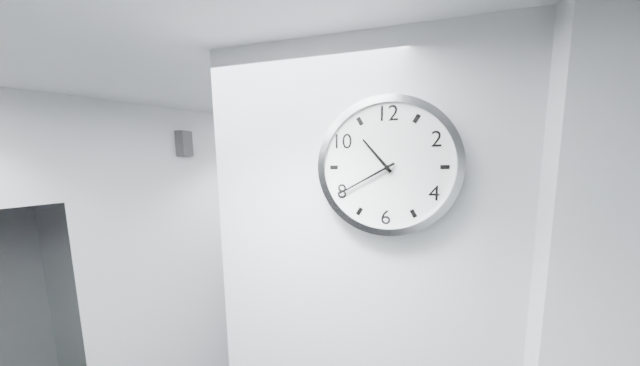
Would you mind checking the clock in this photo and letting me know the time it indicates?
10:40
